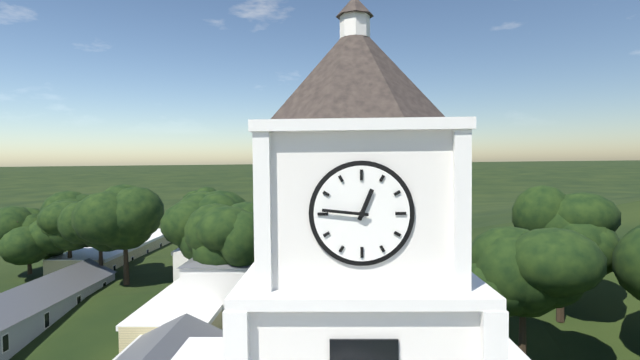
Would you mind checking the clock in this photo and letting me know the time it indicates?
12:46
